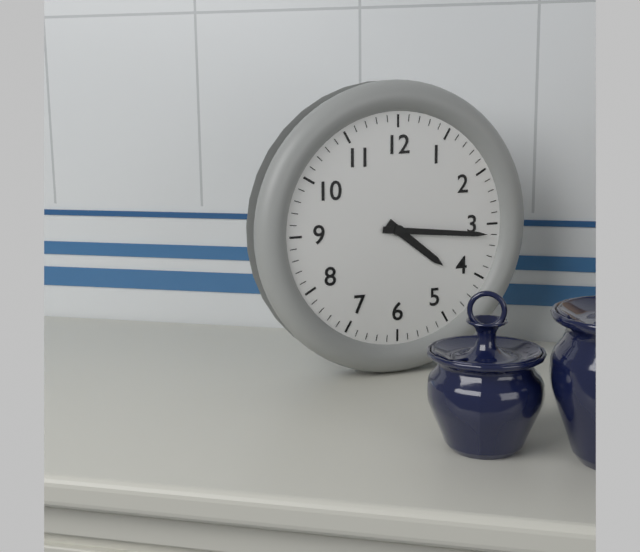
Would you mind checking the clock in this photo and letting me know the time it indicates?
4:16
